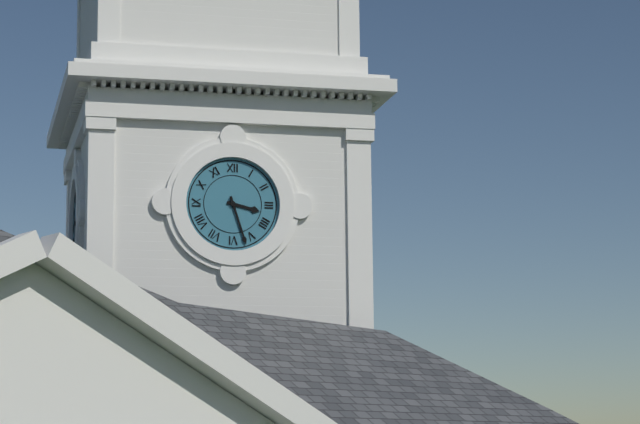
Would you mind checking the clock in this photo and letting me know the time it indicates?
3:27
